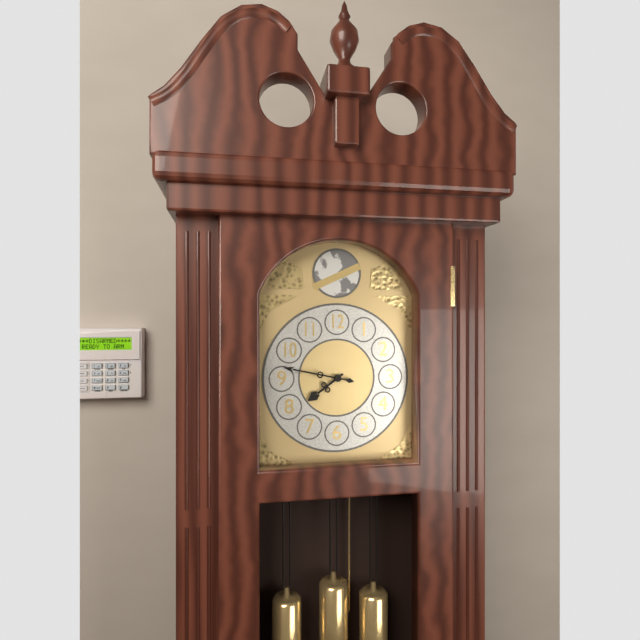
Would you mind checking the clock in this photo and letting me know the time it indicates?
7:47
